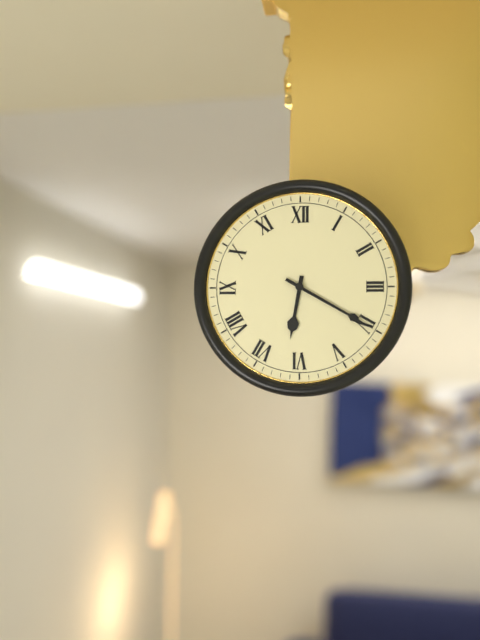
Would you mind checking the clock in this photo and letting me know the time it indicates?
6:20
